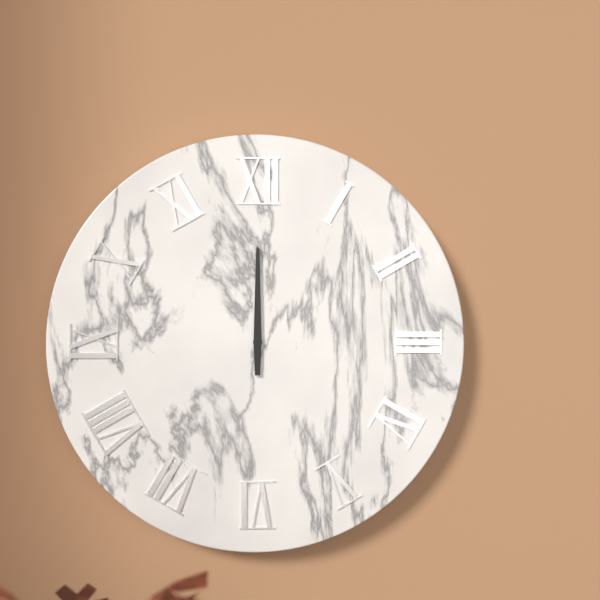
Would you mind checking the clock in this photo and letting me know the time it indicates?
12:00
